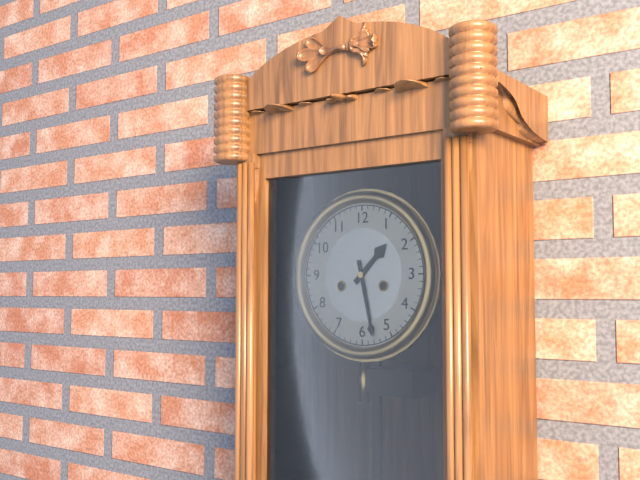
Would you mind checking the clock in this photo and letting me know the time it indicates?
1:28
